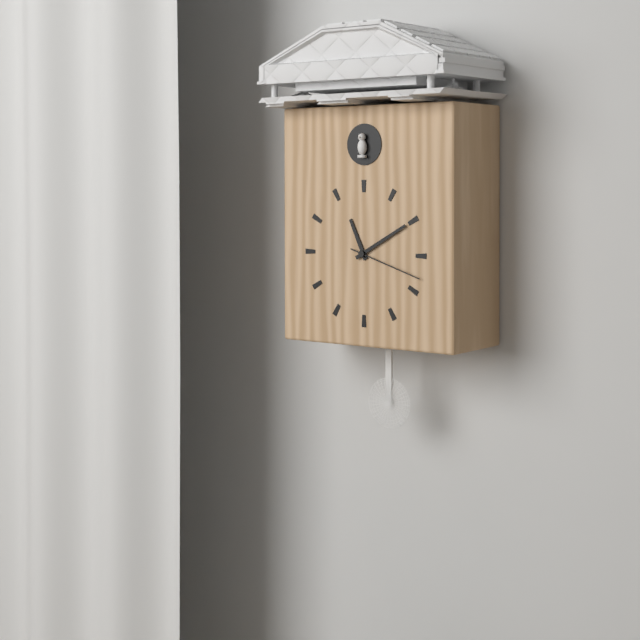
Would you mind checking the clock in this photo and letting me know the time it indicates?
11:10:18
